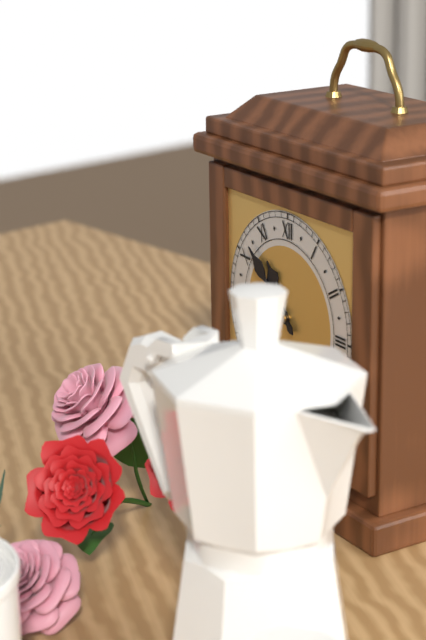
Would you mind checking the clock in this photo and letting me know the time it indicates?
10:52
